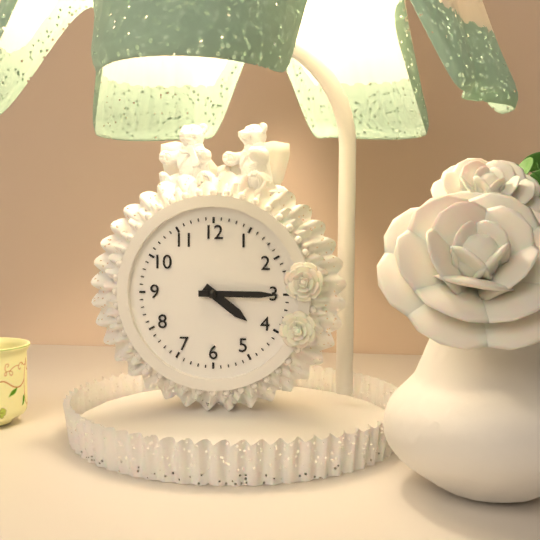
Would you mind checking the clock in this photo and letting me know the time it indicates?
4:15
